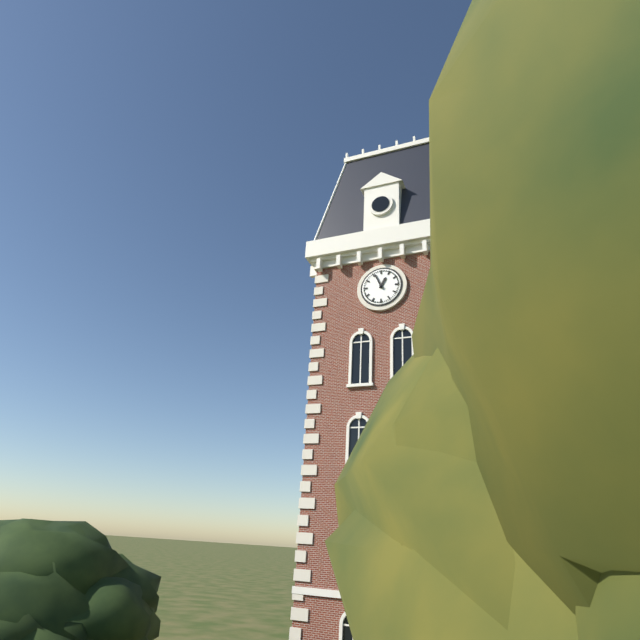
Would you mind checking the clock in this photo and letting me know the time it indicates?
12:56
